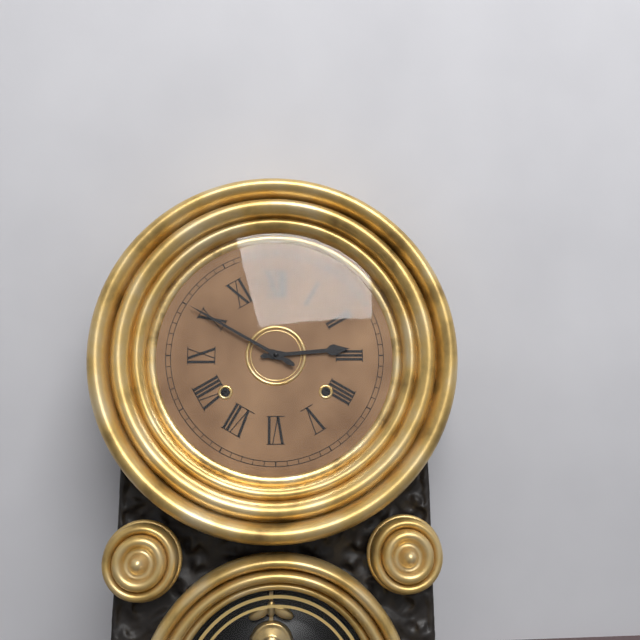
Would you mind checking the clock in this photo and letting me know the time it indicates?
2:50
